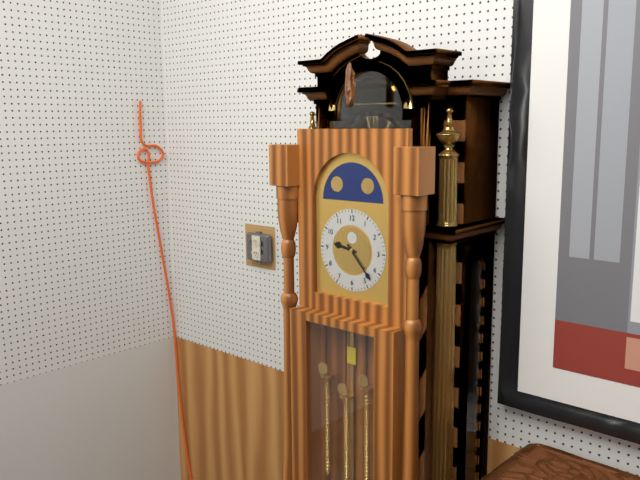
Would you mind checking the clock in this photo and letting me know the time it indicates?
9:23
